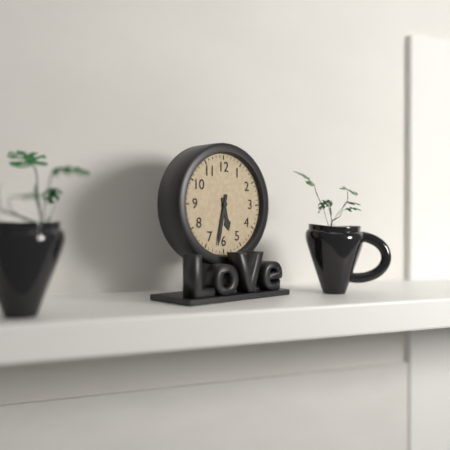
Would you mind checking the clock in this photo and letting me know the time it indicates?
5:32
